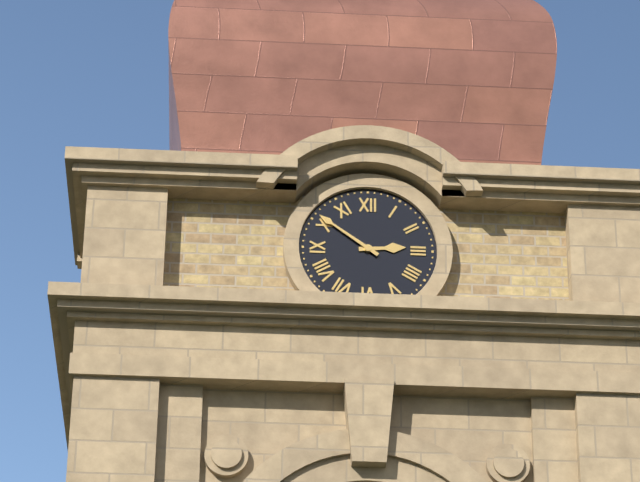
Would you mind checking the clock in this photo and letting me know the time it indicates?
2:51
